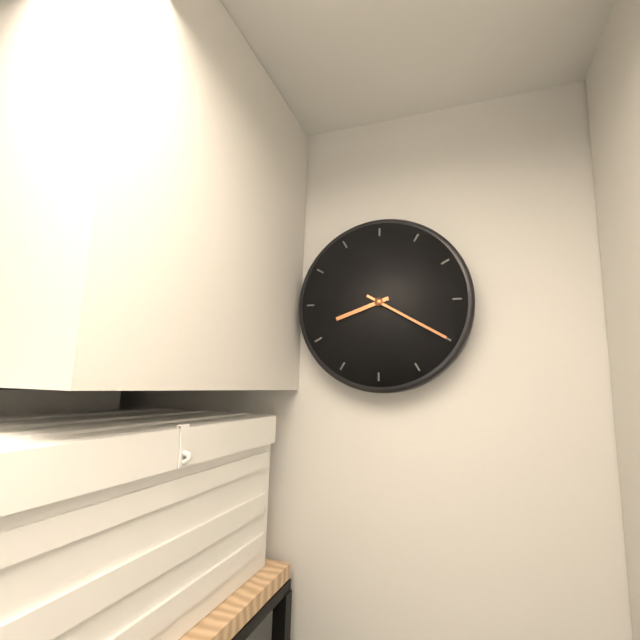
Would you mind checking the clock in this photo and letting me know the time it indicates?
8:20
